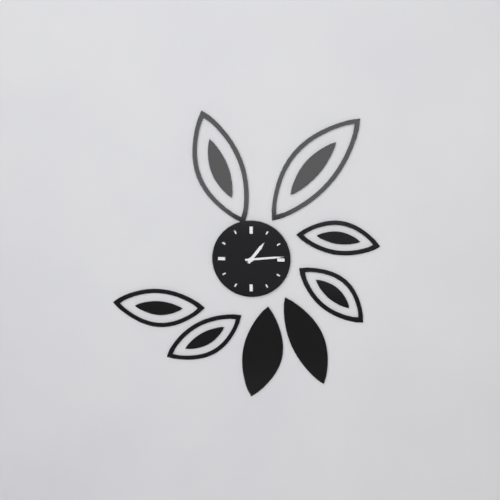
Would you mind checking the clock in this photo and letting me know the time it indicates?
1:14
